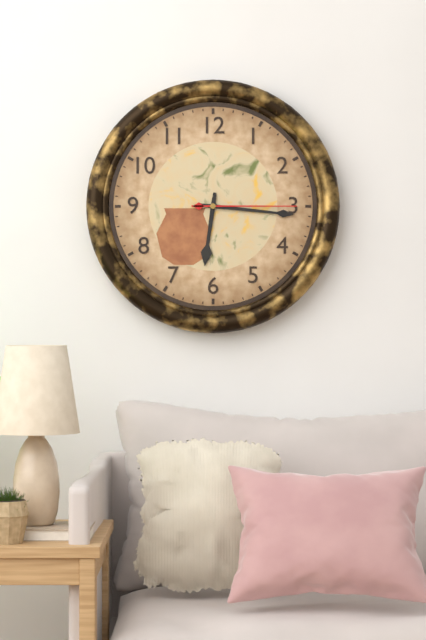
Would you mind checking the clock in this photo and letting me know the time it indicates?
6:16:15
